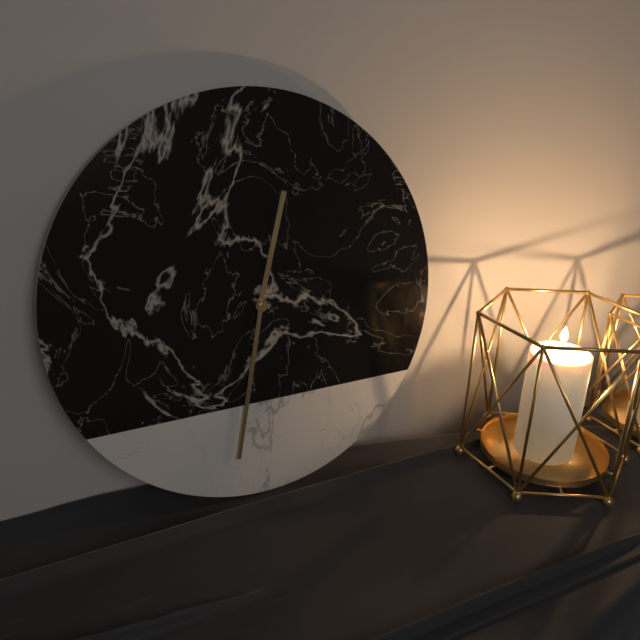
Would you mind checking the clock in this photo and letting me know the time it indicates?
12:32
